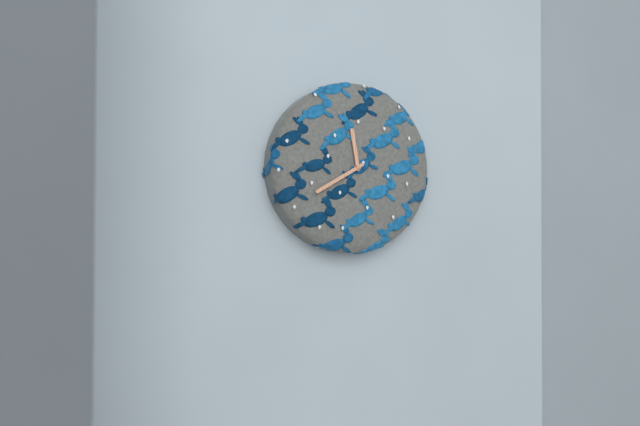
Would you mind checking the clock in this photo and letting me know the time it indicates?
11:40
